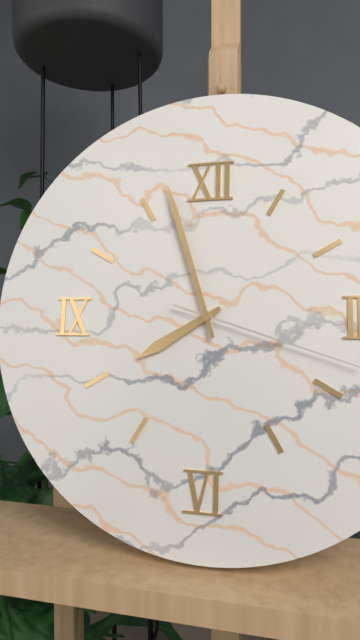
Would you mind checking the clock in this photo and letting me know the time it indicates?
7:57
